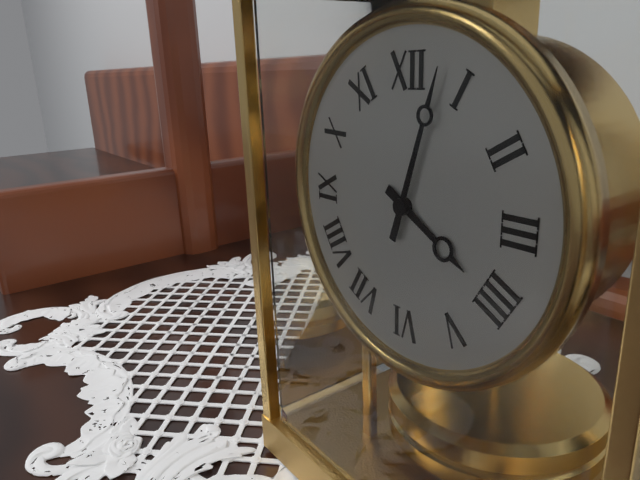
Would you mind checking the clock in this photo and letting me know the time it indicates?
4:03
